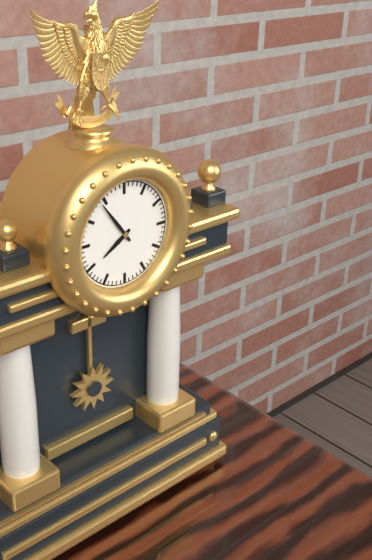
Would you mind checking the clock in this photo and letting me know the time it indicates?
7:54
